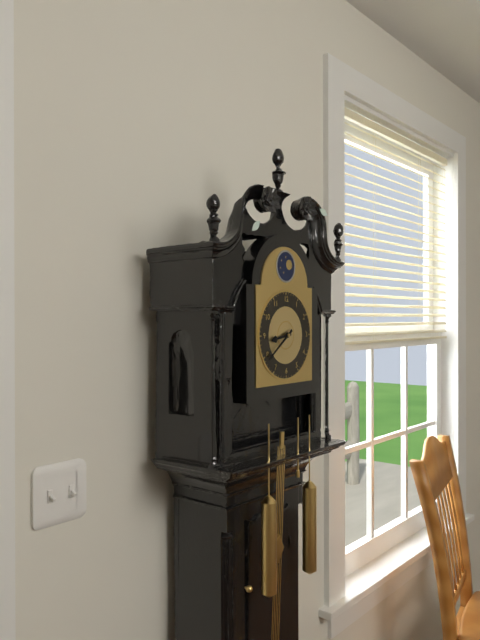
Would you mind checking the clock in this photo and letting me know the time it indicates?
8:39
